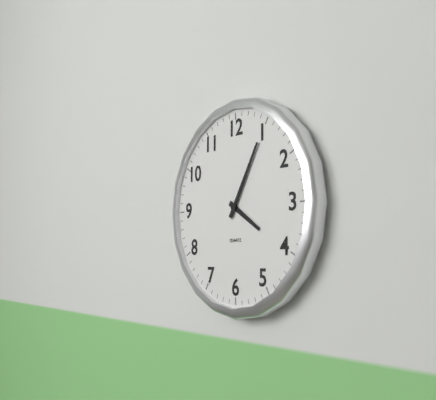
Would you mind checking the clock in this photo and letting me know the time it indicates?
4:05
